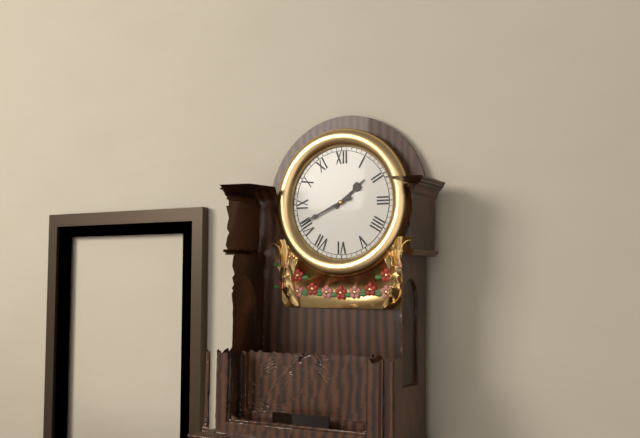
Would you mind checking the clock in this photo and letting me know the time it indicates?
1:41
